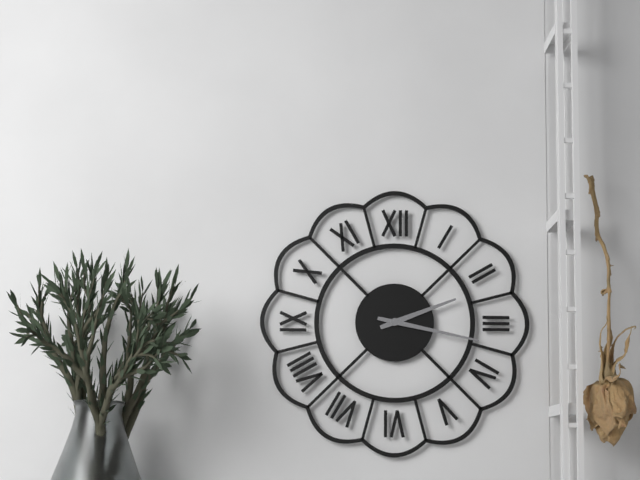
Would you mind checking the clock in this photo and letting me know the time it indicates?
2:17
